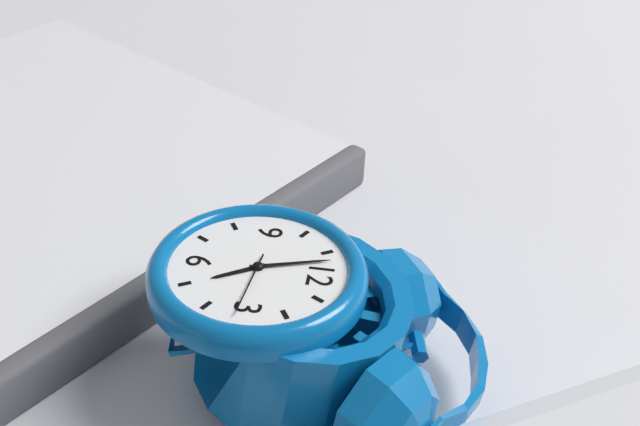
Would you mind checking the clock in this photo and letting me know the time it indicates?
4:57:16
